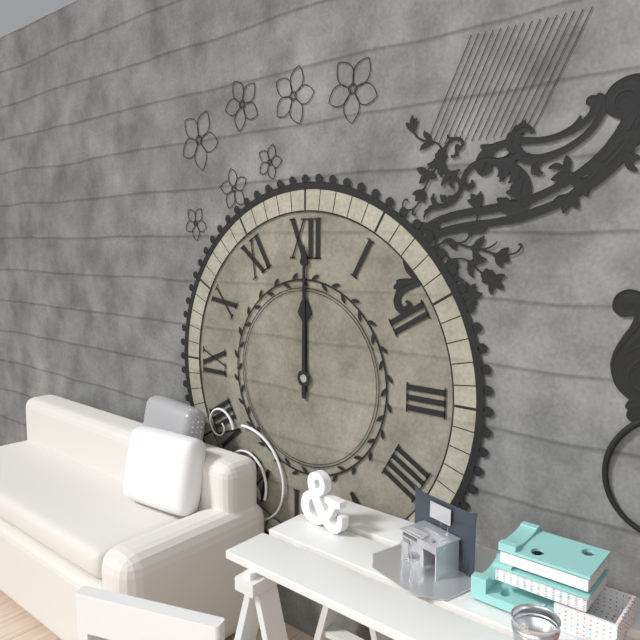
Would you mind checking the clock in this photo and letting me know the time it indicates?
12:00
